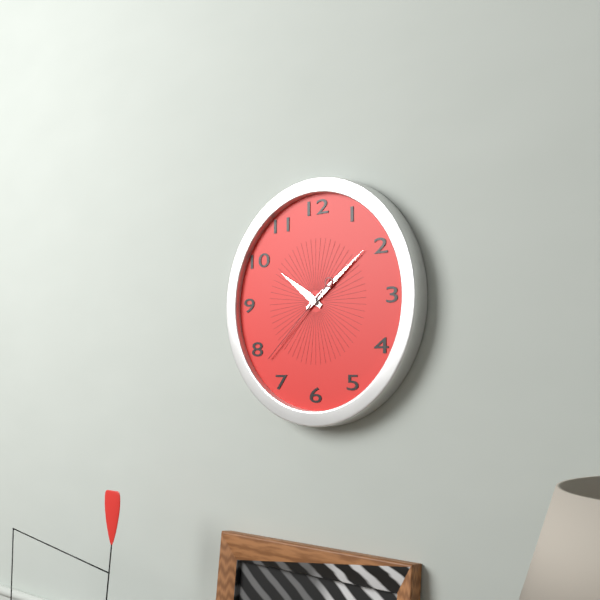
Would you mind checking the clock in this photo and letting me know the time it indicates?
10:09:38
